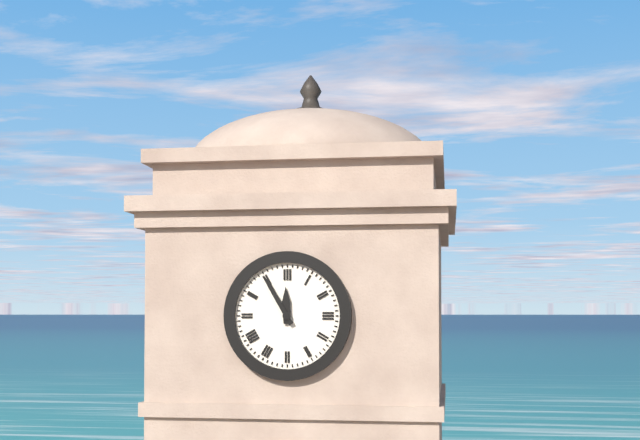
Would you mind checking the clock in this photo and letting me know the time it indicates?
11:55
